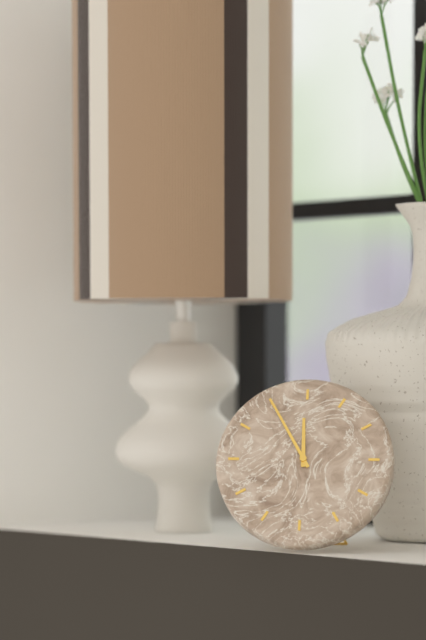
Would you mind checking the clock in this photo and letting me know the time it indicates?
11:55
